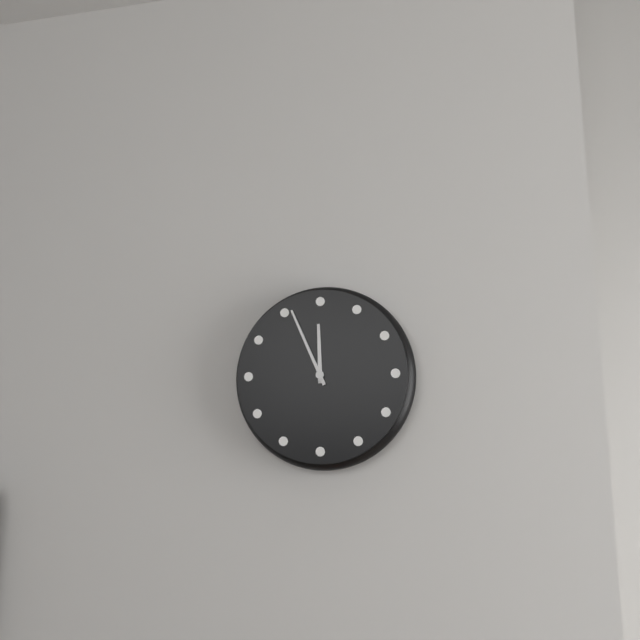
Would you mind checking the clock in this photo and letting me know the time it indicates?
11:56
